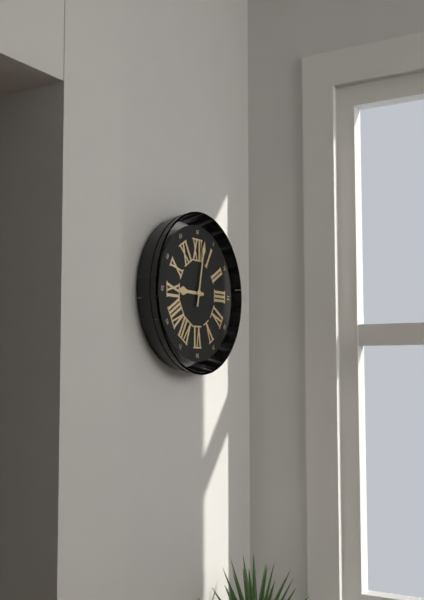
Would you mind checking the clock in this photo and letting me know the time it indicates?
9:02
